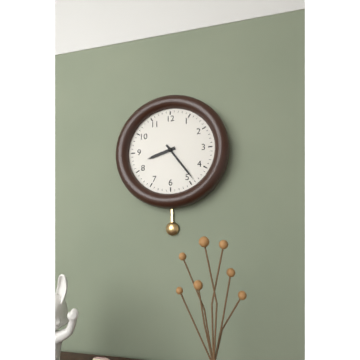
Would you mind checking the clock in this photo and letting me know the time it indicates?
8:24
